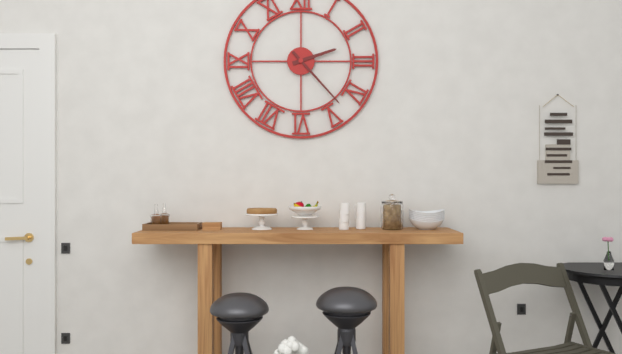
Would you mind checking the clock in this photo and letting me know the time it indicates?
2:23
